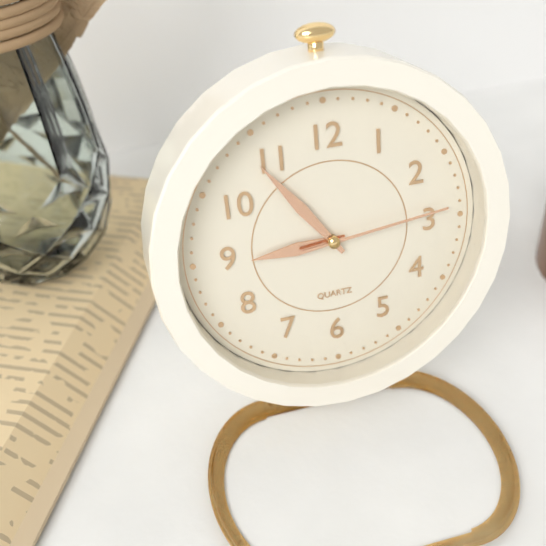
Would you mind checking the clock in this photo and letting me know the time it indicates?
8:54:14
